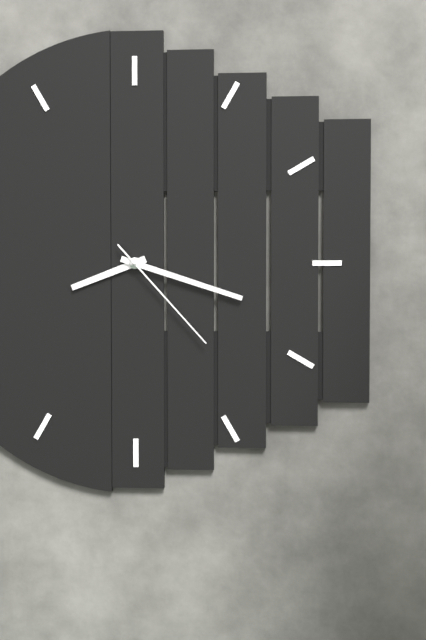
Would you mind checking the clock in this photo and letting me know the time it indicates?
8:18:23
